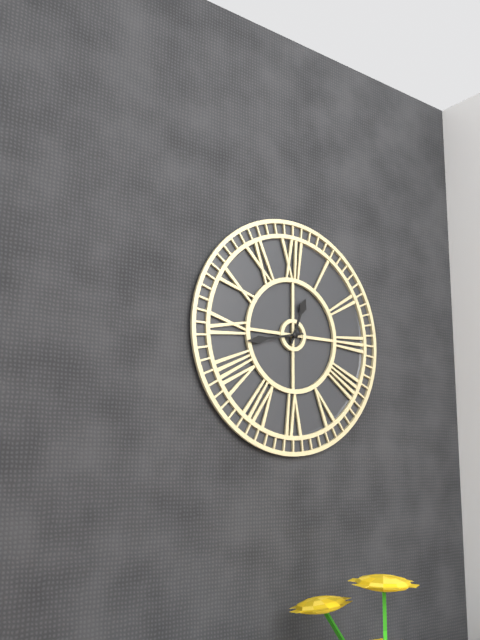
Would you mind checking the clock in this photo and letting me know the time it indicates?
12:43
